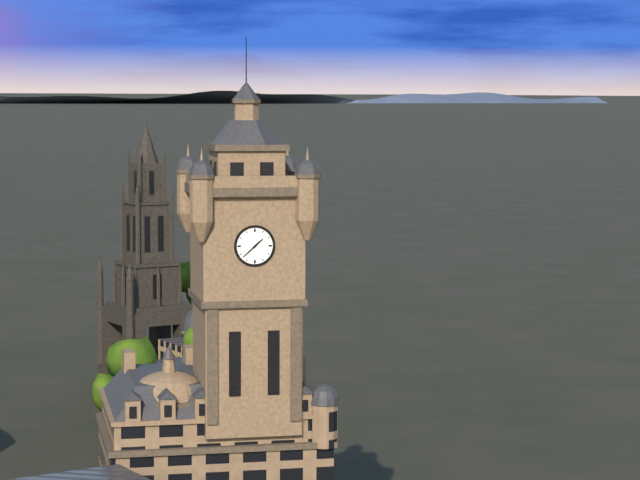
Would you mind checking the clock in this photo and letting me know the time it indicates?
1:38
